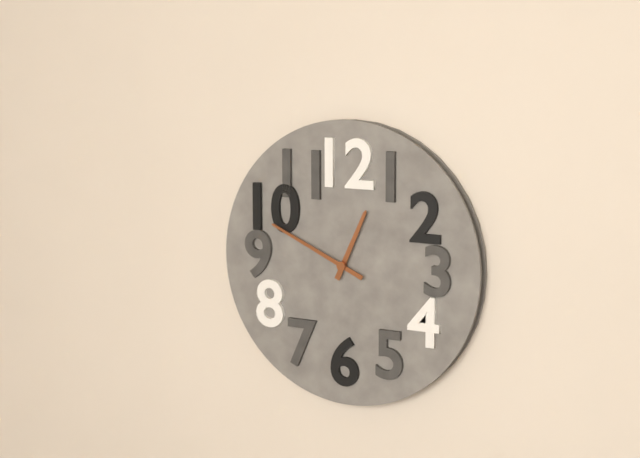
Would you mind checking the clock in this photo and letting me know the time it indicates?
12:49
